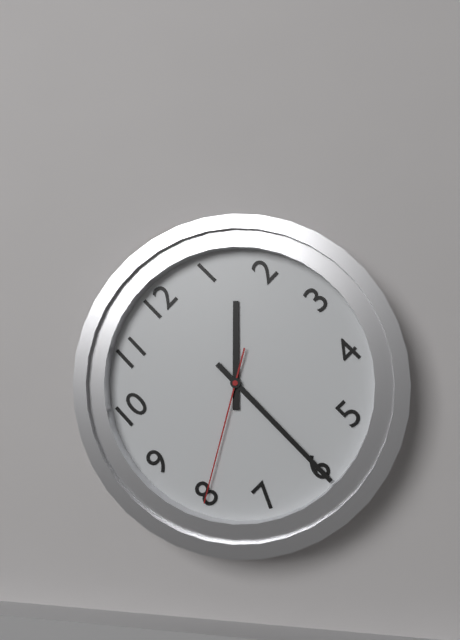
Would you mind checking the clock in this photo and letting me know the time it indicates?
1:30:40
